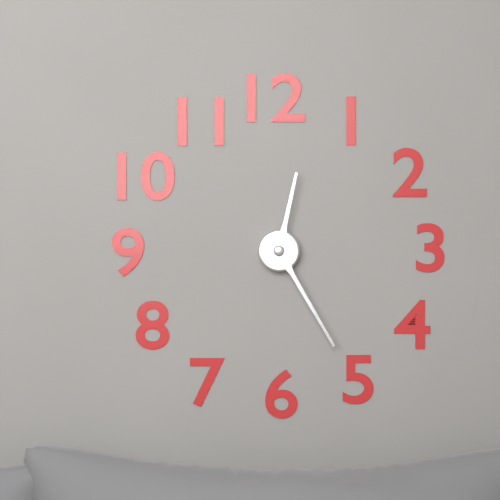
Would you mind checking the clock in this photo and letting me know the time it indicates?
12:25
